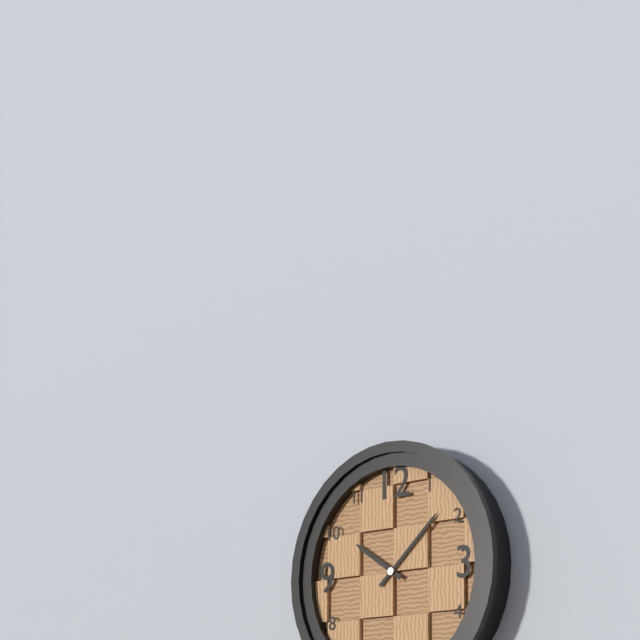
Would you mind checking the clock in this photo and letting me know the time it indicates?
10:08
